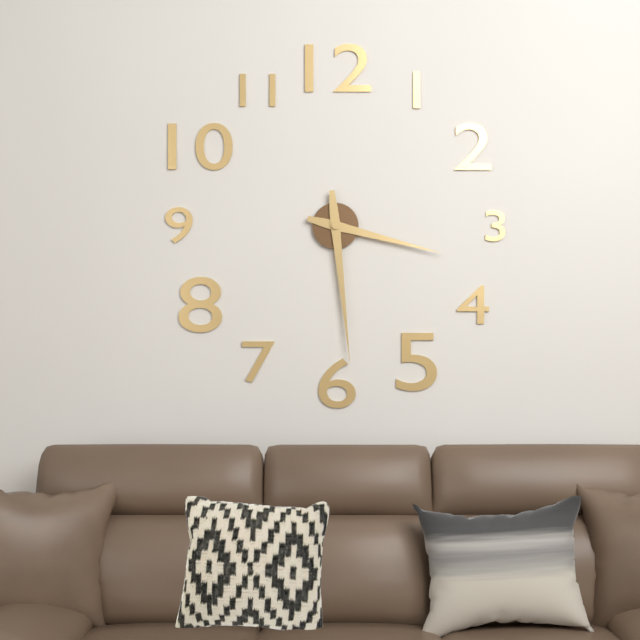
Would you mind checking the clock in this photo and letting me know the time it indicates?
3:29
